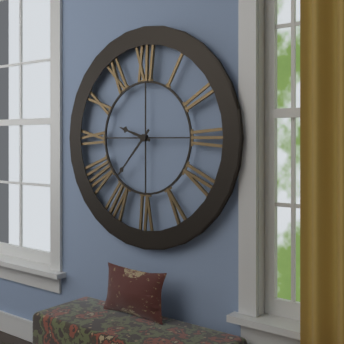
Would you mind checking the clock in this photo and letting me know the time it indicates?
9:37
